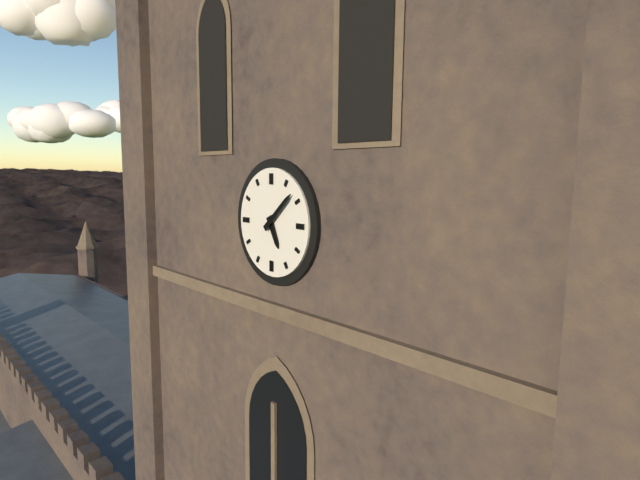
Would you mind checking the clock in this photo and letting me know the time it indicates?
5:08
